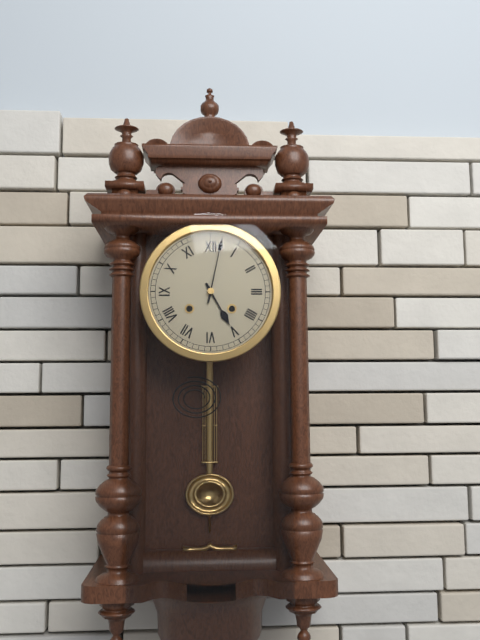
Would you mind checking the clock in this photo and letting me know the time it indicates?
5:02
